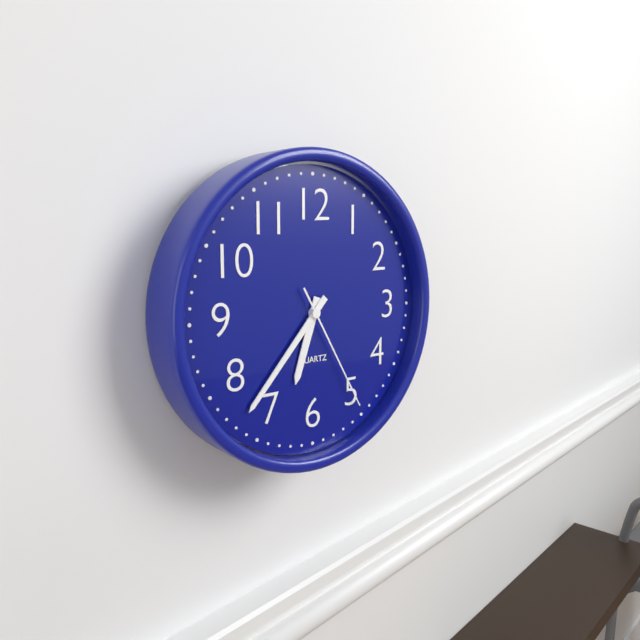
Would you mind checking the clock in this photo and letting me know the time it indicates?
6:37:25
